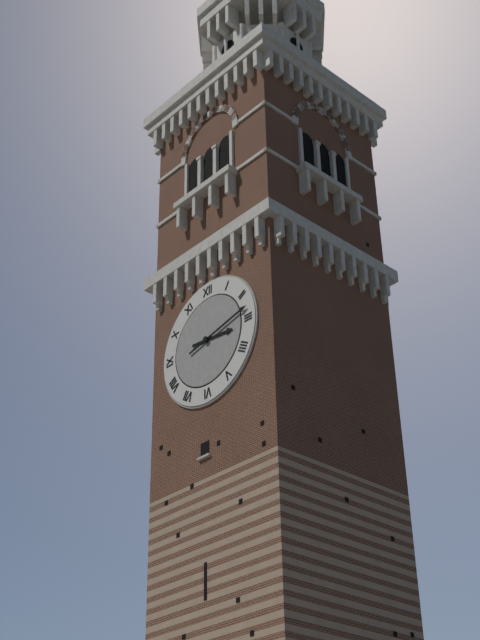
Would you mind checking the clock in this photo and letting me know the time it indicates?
3:13
